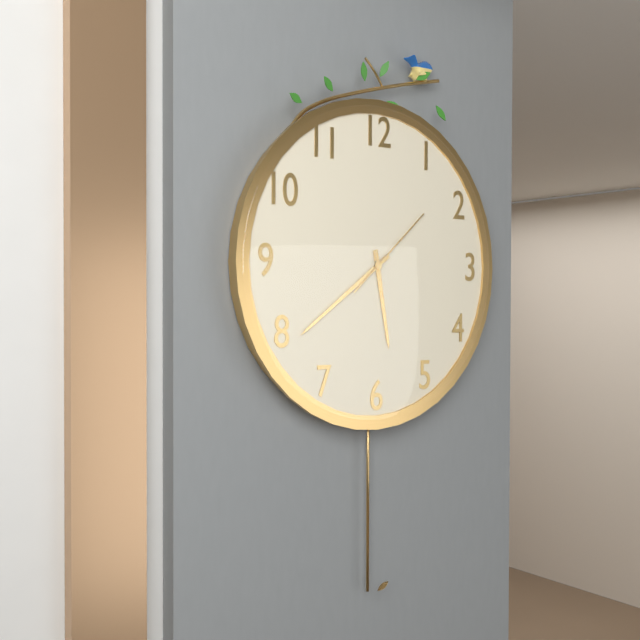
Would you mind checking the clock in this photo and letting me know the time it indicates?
5:39:08
